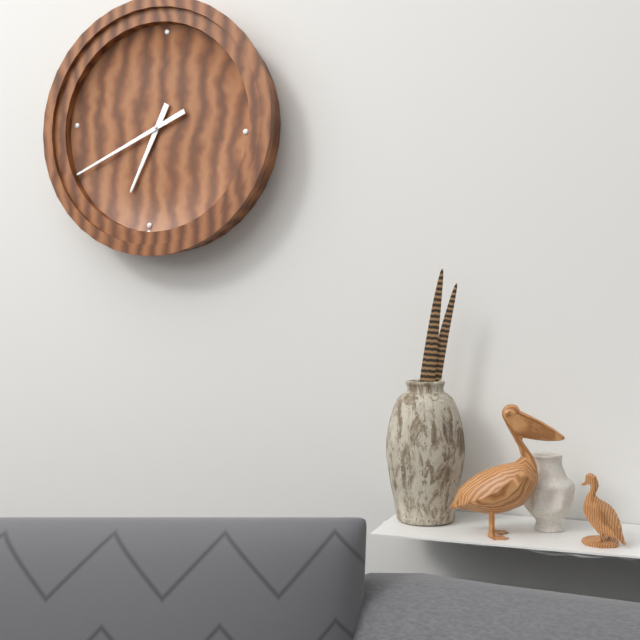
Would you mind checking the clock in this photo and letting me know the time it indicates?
6:40
